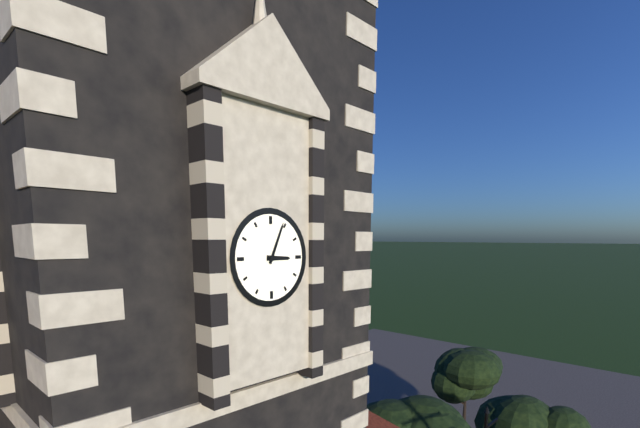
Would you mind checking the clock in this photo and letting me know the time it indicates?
3:04
